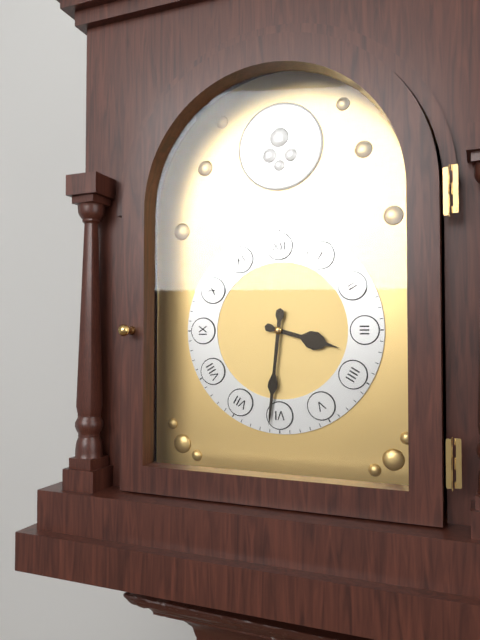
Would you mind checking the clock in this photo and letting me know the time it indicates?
3:31
